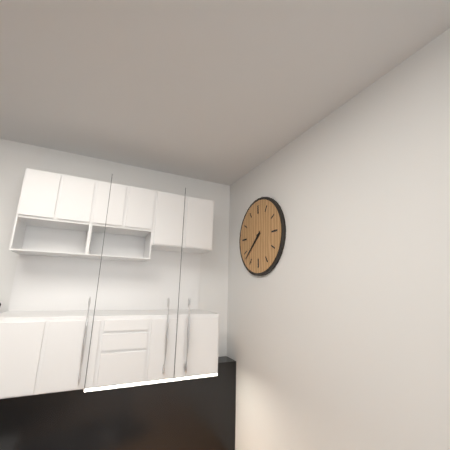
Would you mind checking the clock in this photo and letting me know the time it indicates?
7:38
